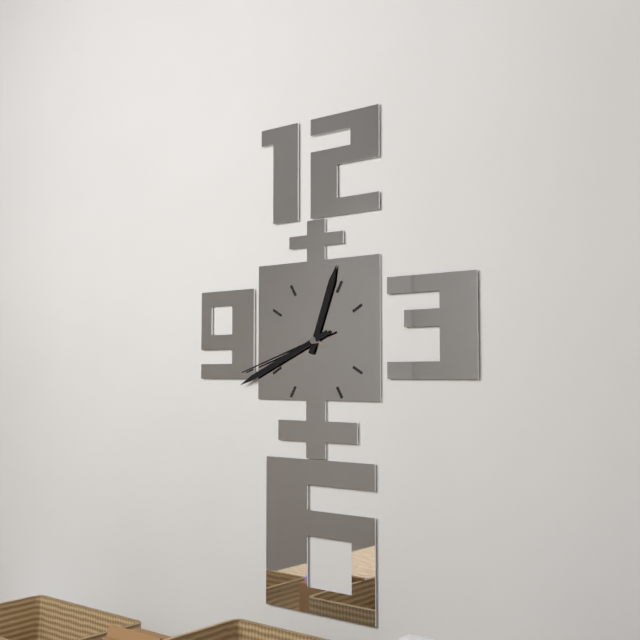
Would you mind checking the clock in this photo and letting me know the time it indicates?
12:41:42
